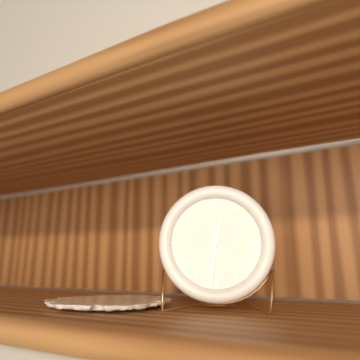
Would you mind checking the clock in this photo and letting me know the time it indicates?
12:31
